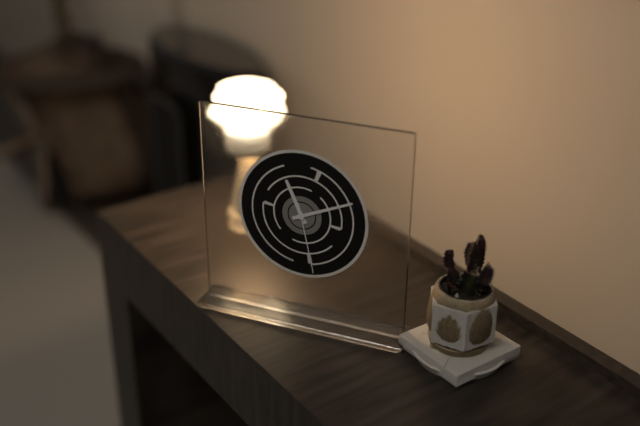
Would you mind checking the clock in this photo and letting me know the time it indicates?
11:11:28
